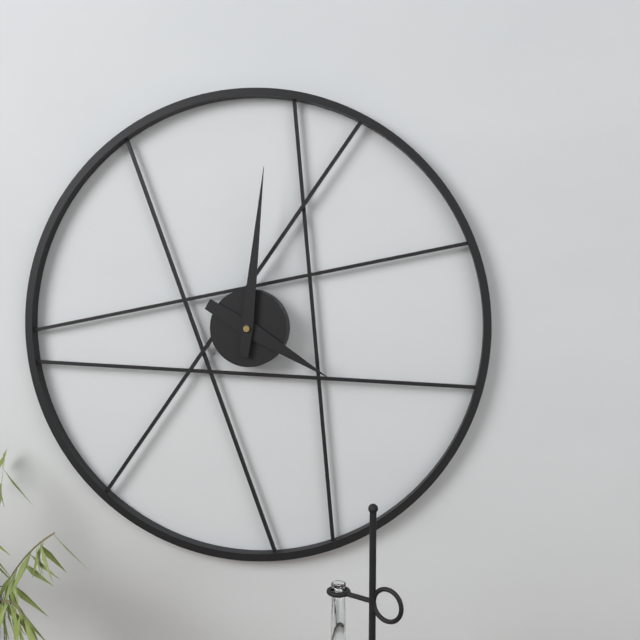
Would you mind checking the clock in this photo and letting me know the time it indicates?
4:01
